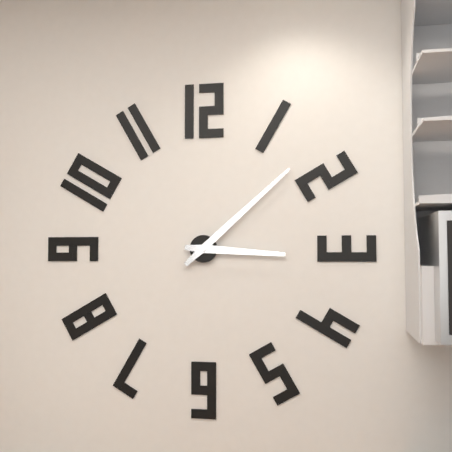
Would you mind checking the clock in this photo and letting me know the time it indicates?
3:08
